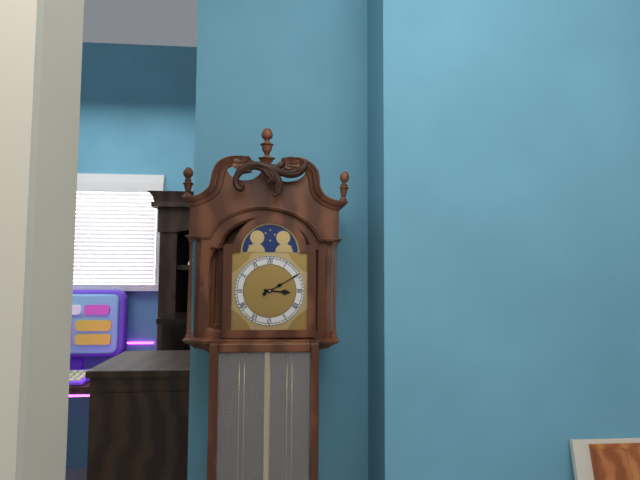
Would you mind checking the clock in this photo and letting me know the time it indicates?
3:10
